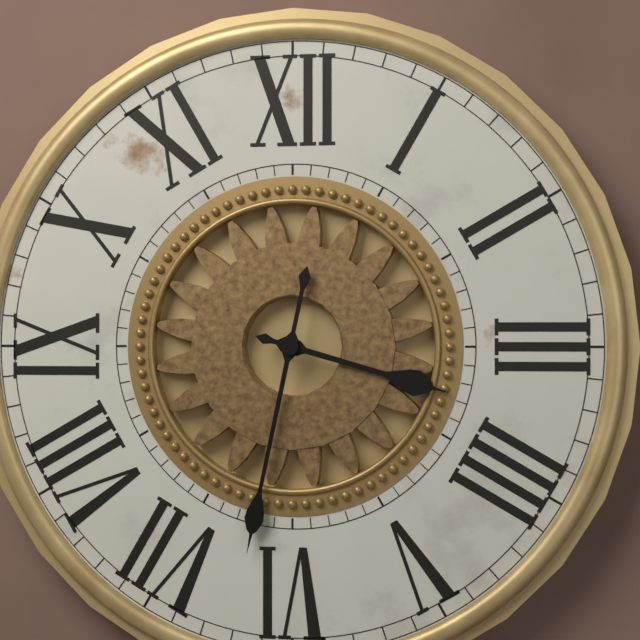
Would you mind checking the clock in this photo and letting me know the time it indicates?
3:32
